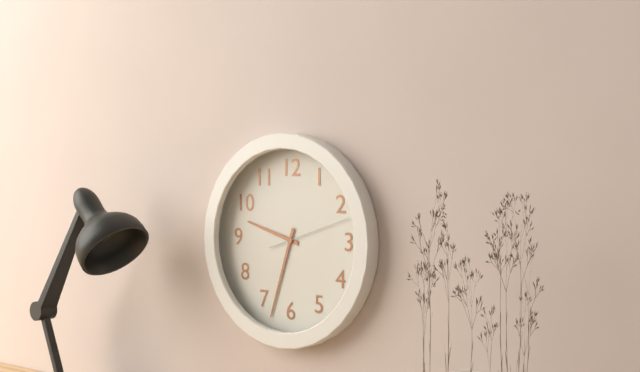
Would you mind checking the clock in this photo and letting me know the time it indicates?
9:33:12
